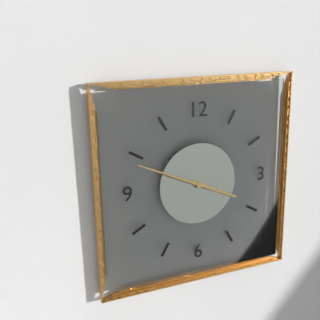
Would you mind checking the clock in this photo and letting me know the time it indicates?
3:49
